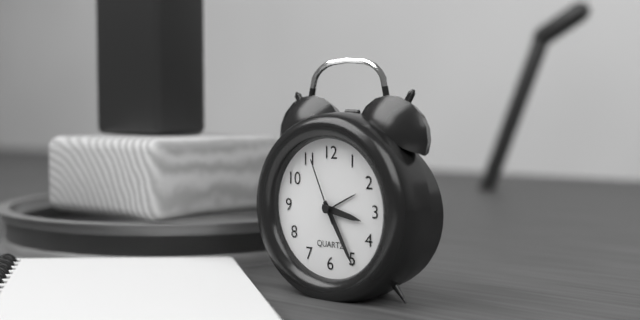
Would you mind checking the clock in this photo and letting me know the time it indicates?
3:25:56
